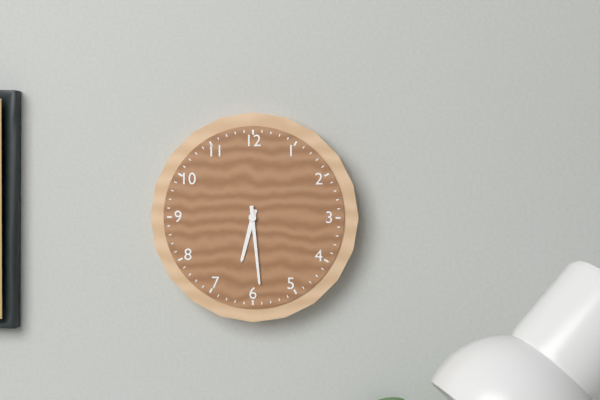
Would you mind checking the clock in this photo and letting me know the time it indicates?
6:29
